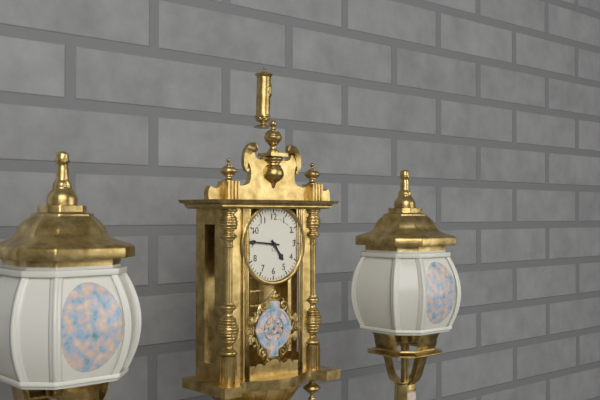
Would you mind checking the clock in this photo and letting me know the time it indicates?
4:46
